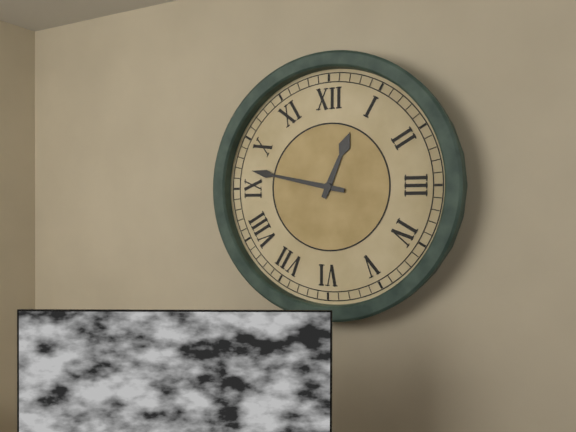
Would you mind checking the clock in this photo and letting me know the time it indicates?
12:47
